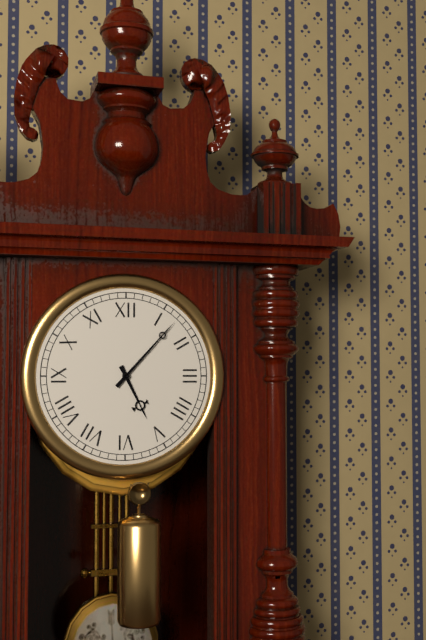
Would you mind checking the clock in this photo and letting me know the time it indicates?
5:07
